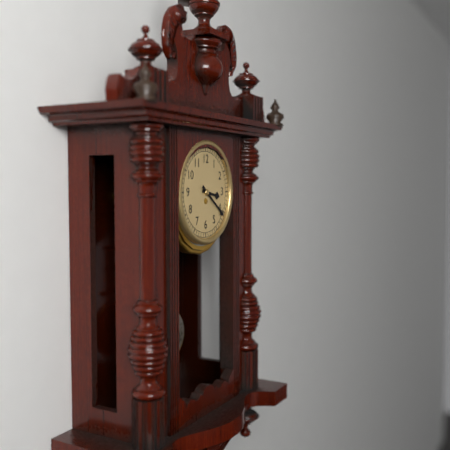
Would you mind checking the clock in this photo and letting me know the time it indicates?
3:21
